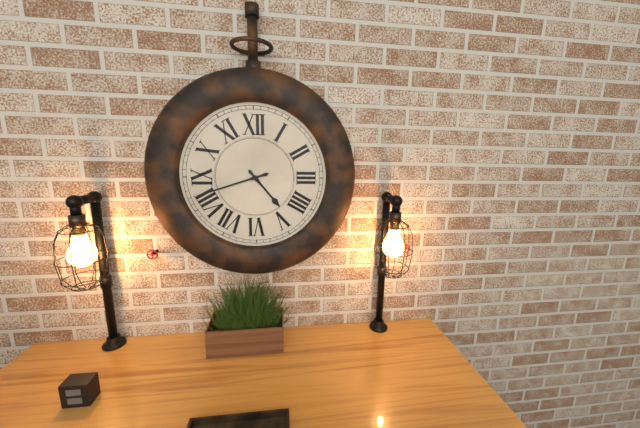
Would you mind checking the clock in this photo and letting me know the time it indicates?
4:42
